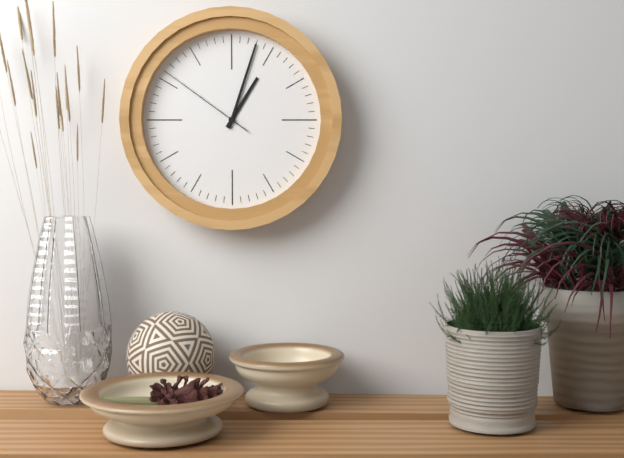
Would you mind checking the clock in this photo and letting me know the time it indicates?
1:03:51
